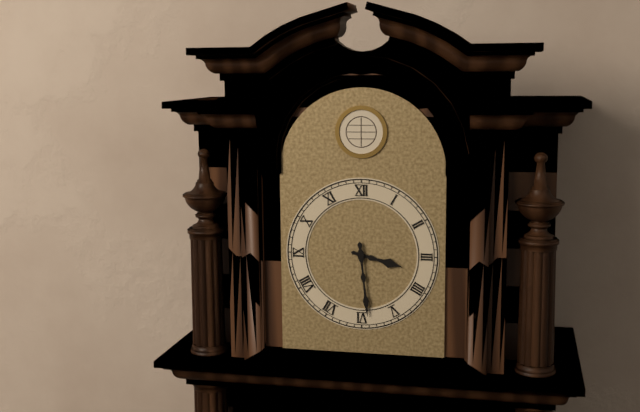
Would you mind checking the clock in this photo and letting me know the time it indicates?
3:29
